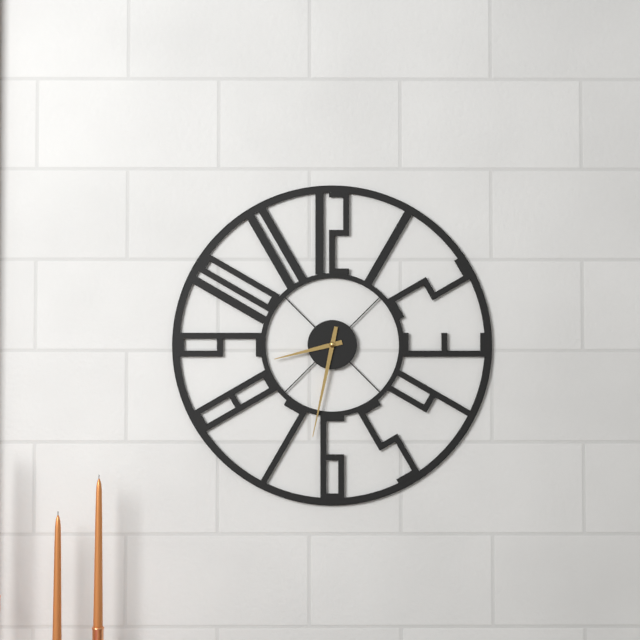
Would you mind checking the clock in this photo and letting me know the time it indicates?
8:32
